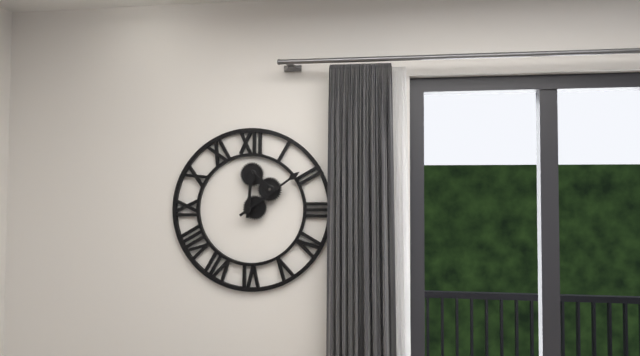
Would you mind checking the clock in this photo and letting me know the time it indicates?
12:09
